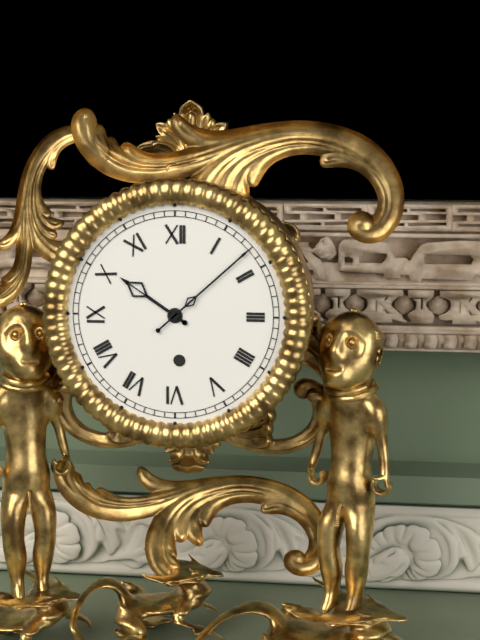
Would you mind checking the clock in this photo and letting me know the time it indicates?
10:08
